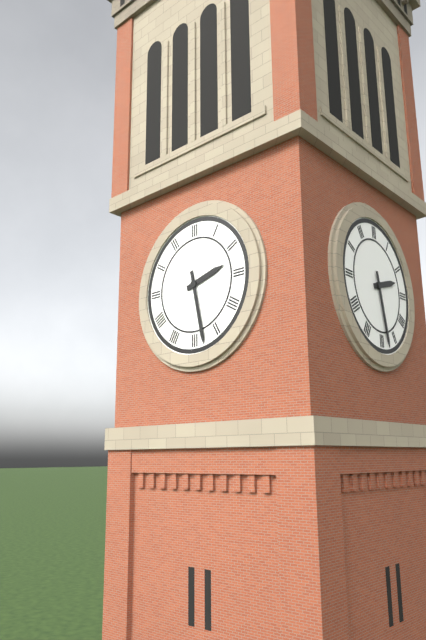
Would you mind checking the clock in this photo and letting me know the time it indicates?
2:28
